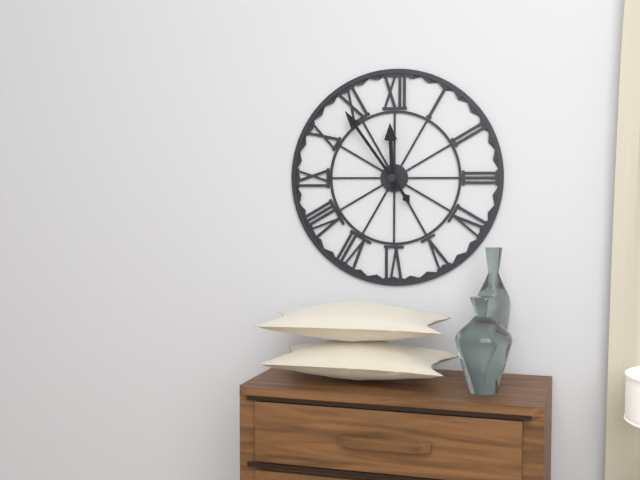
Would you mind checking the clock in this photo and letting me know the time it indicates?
11:54
